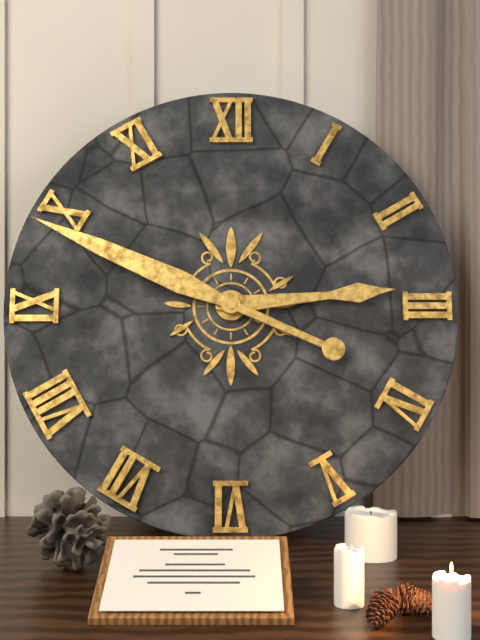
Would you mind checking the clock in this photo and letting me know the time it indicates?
2:49
